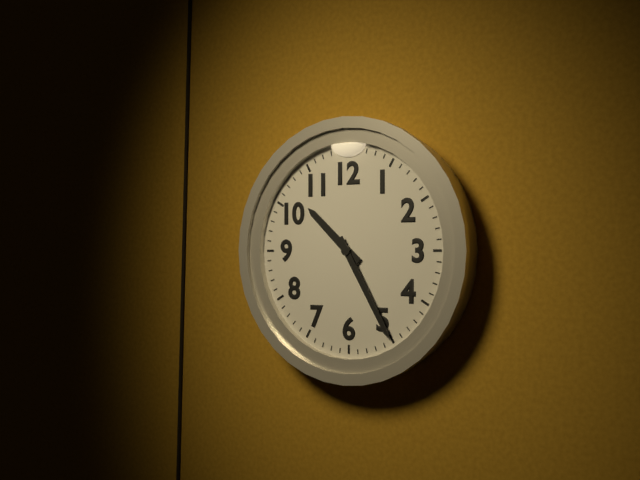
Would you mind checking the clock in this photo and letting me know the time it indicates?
10:25
